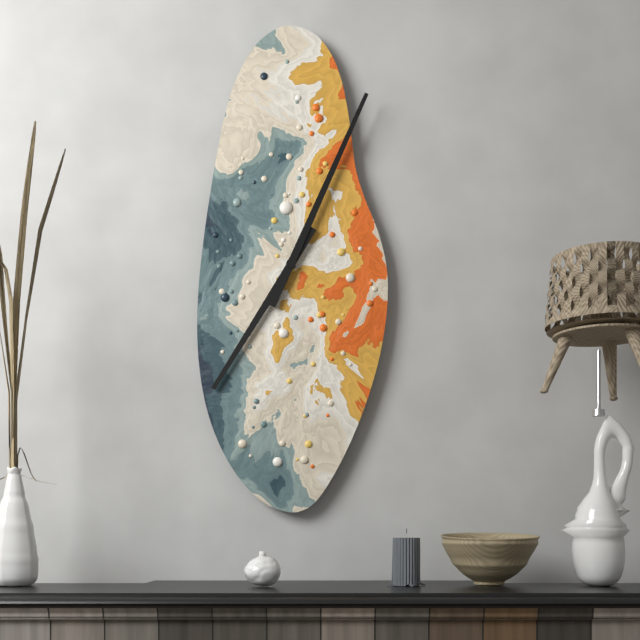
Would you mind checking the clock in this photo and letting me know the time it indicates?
7:04
